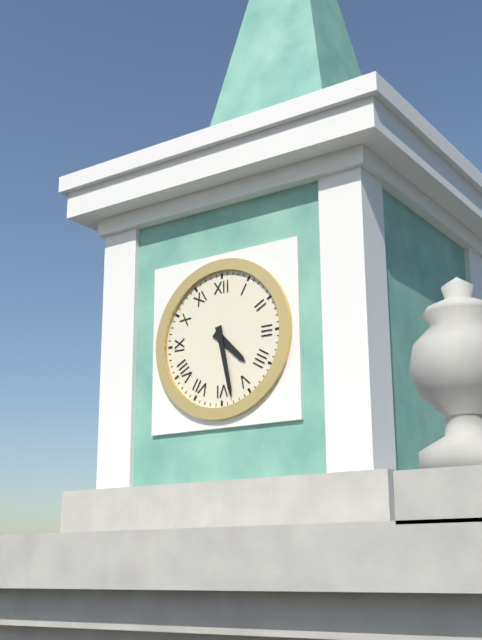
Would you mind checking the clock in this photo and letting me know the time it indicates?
4:28
